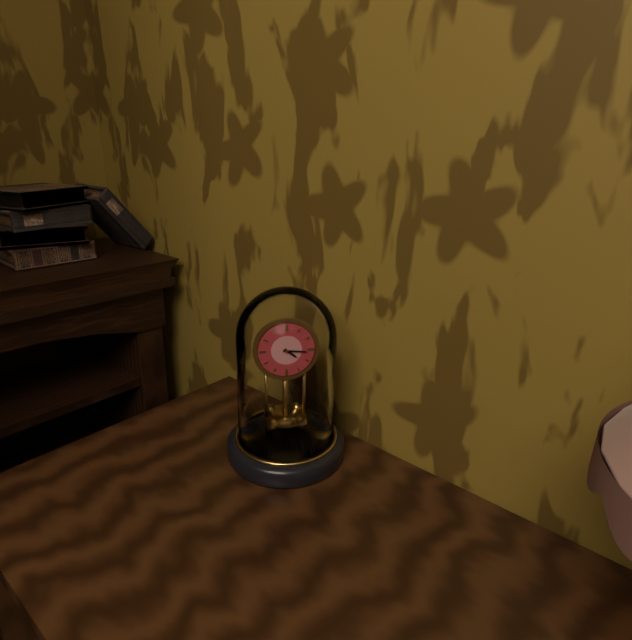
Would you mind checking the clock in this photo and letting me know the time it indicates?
4:16
